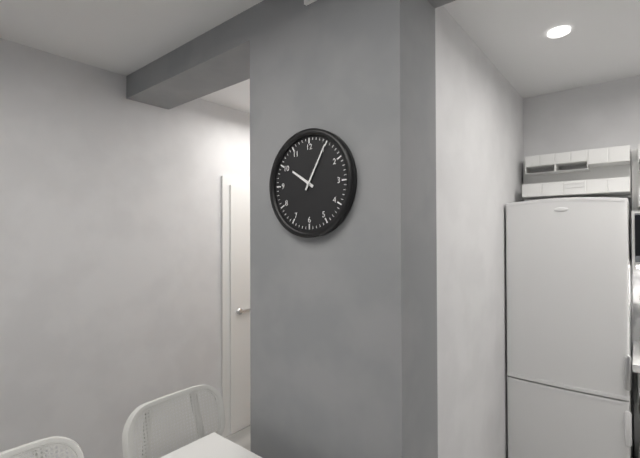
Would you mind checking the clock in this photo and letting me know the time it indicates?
10:05
